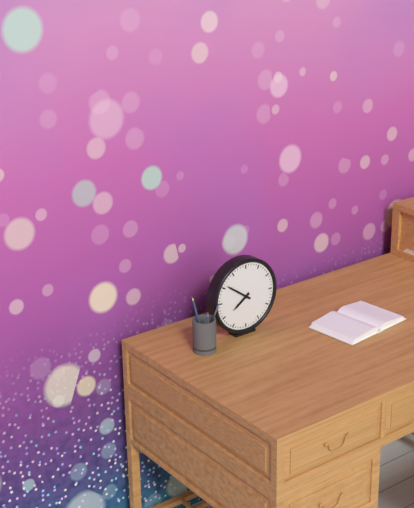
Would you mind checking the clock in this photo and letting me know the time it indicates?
7:51
